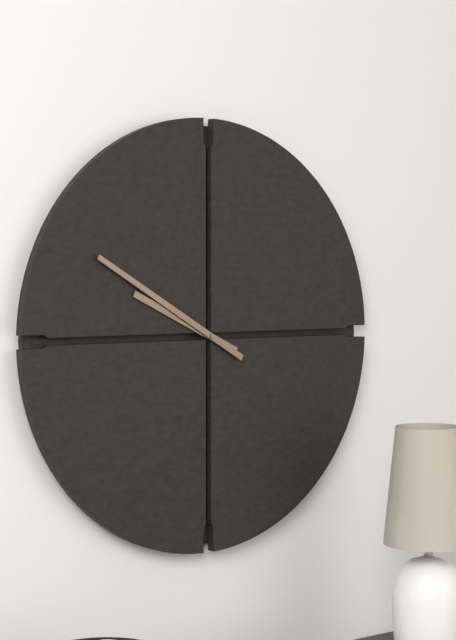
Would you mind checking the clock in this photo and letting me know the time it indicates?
9:50
